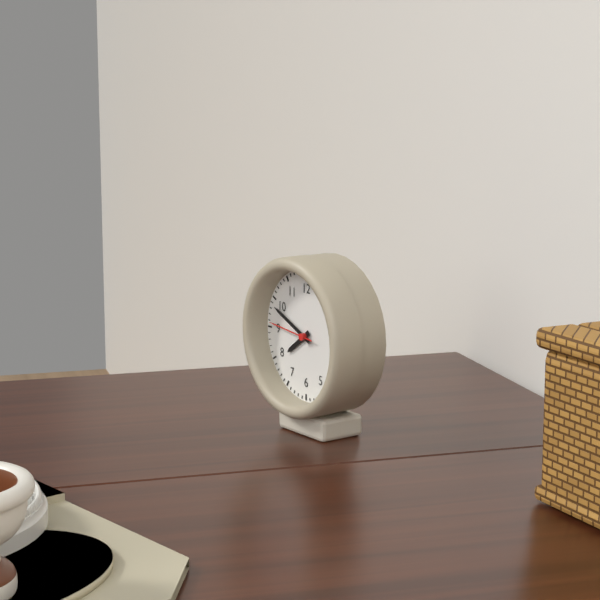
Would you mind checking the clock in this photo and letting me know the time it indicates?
7:49
